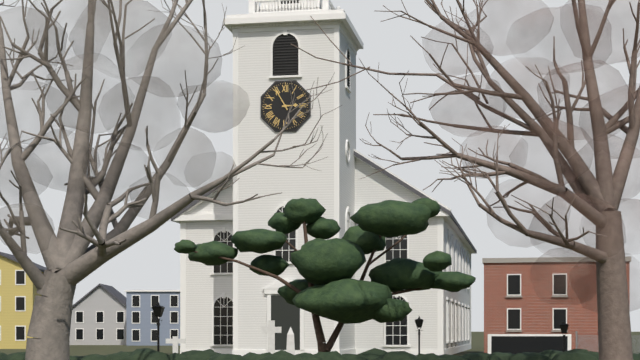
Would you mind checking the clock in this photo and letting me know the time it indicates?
2:55
